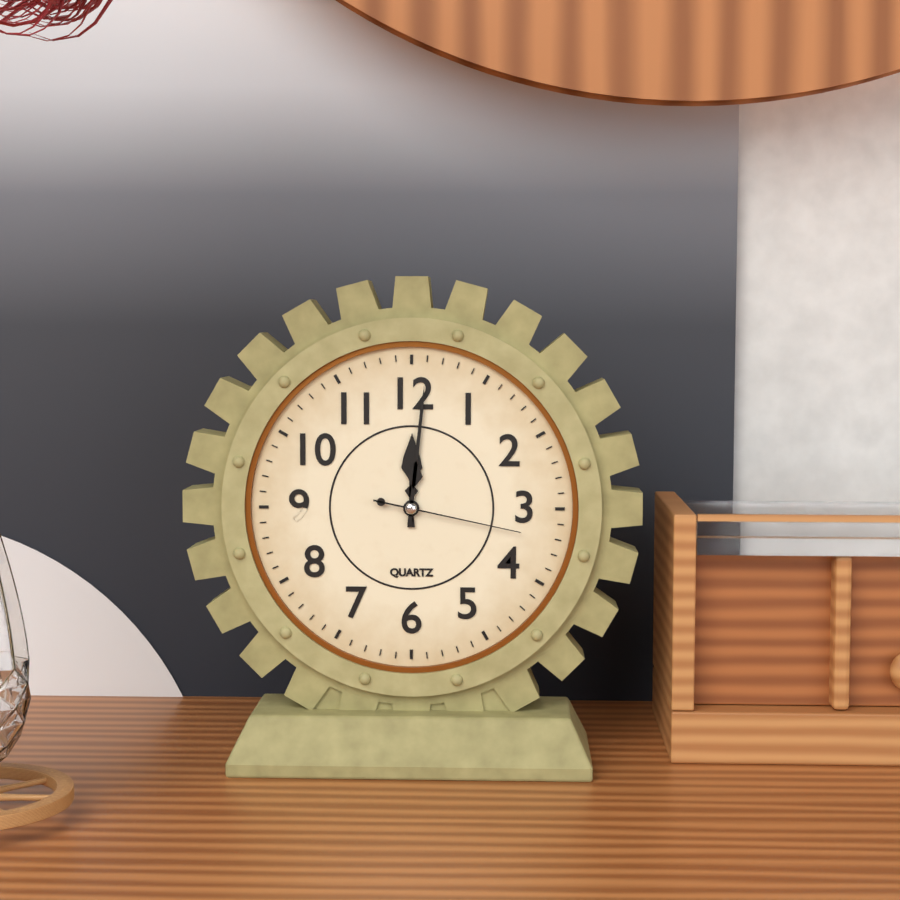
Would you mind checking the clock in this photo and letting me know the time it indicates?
12:01:17
